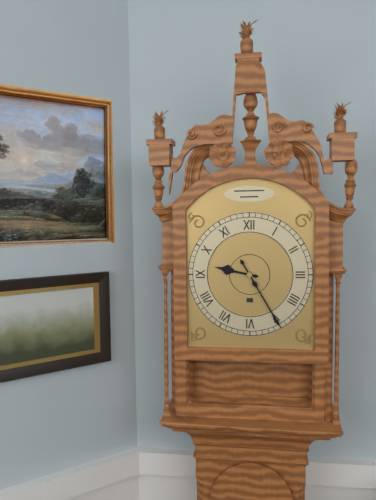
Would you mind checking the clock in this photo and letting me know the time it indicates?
9:25
